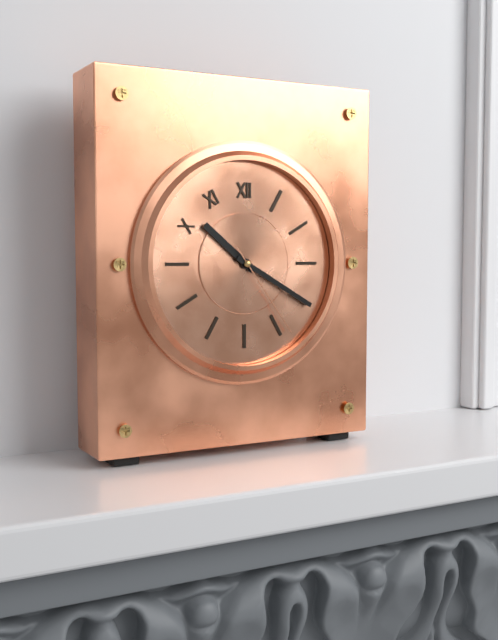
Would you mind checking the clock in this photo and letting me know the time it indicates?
10:20:24
